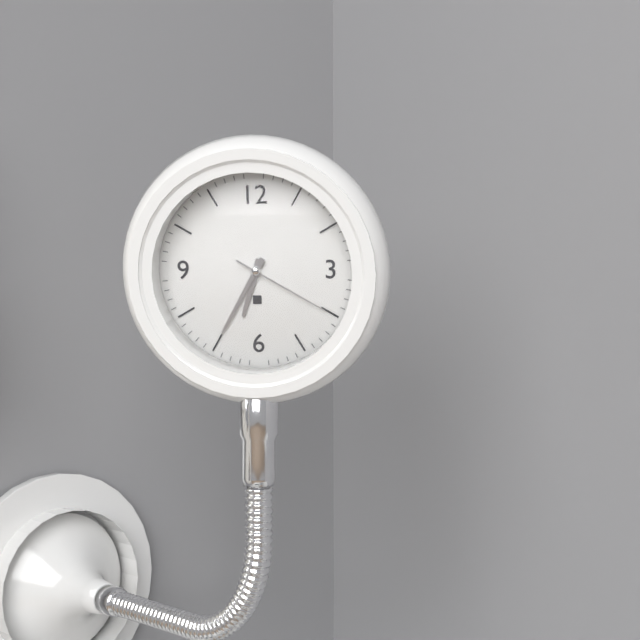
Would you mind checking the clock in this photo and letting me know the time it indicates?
6:35:20
